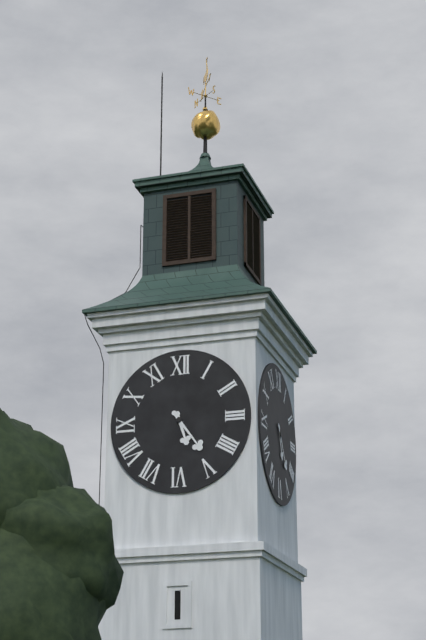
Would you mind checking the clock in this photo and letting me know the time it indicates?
5:24
